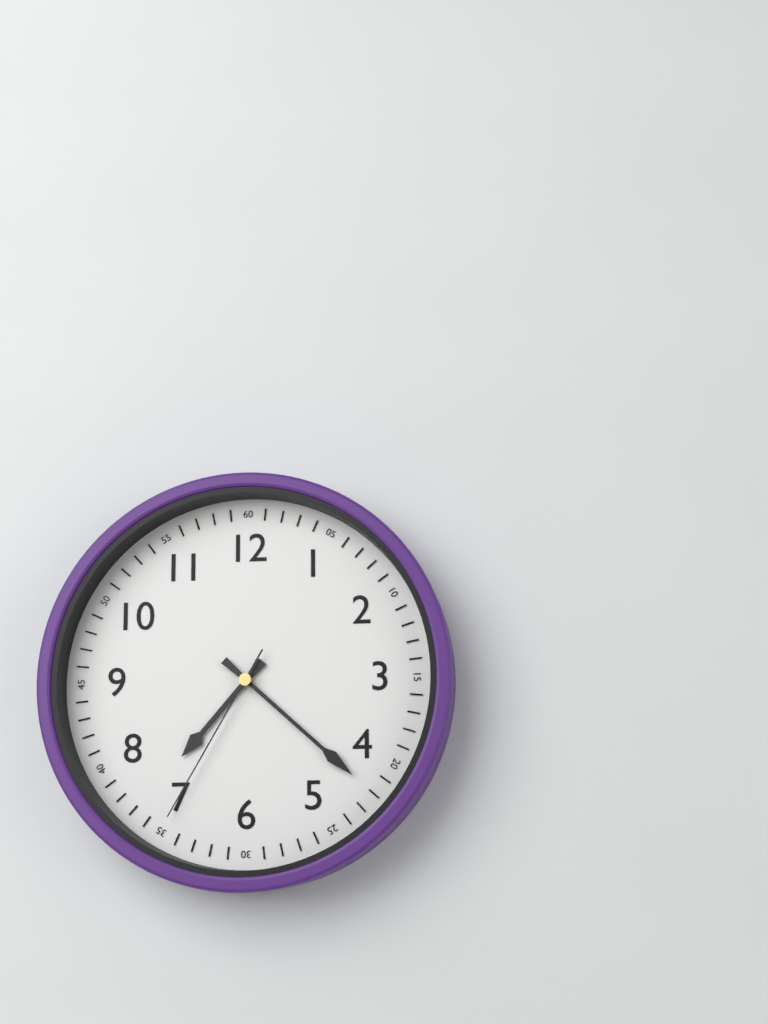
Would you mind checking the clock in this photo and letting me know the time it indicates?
7:22:35
